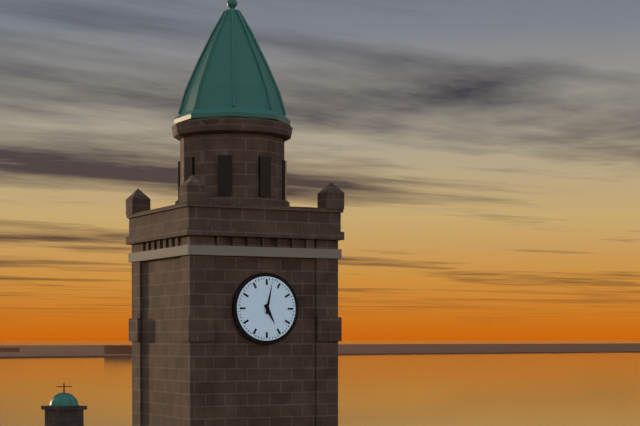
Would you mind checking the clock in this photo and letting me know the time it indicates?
5:02
